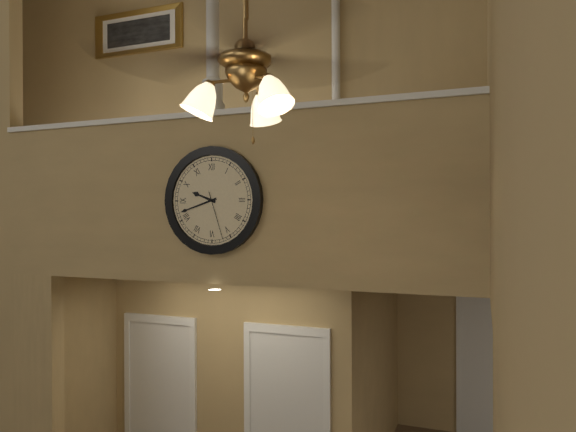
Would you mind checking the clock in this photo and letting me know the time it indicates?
9:42:27
